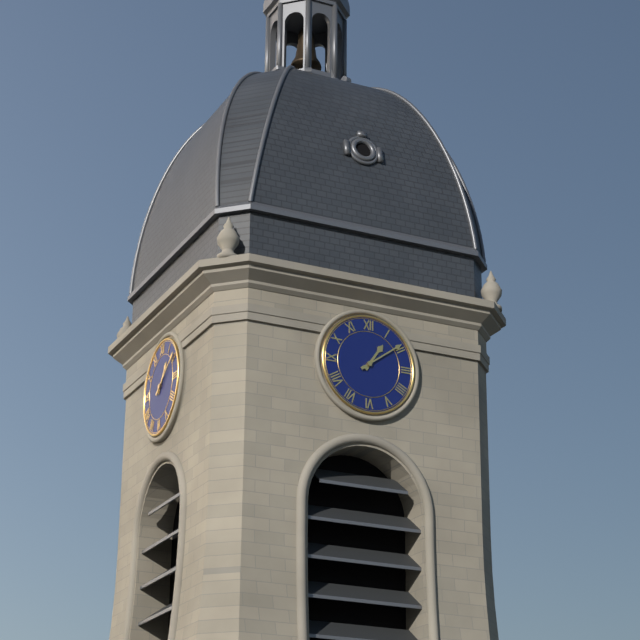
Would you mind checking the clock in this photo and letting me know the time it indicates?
1:09
